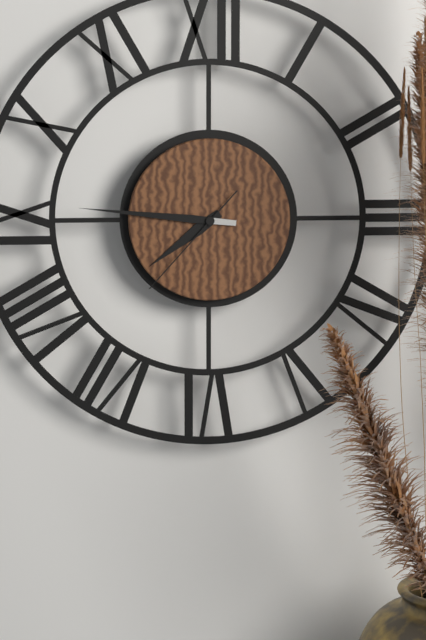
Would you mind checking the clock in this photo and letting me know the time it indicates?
7:46:37
